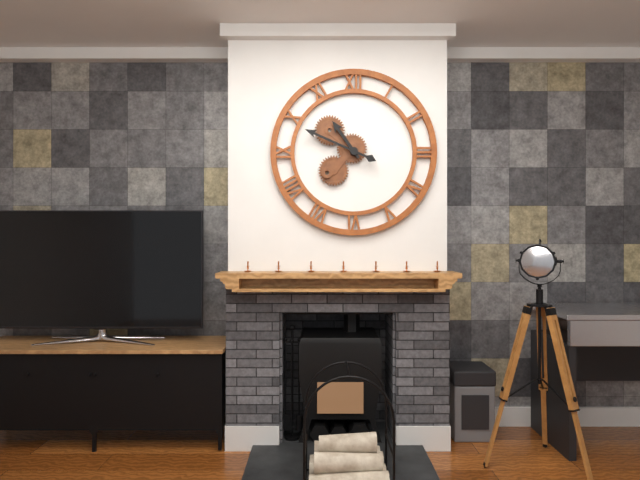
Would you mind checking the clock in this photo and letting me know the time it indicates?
10:49
